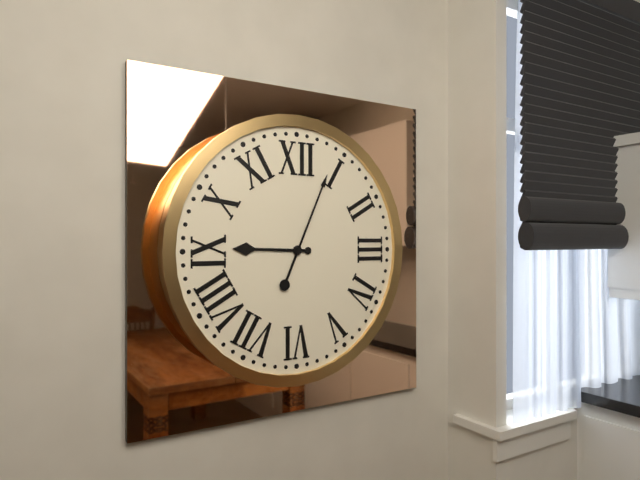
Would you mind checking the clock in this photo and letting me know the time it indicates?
9:04
